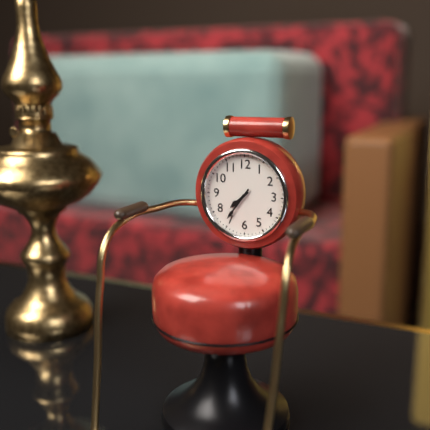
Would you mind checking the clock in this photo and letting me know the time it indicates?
7:36
